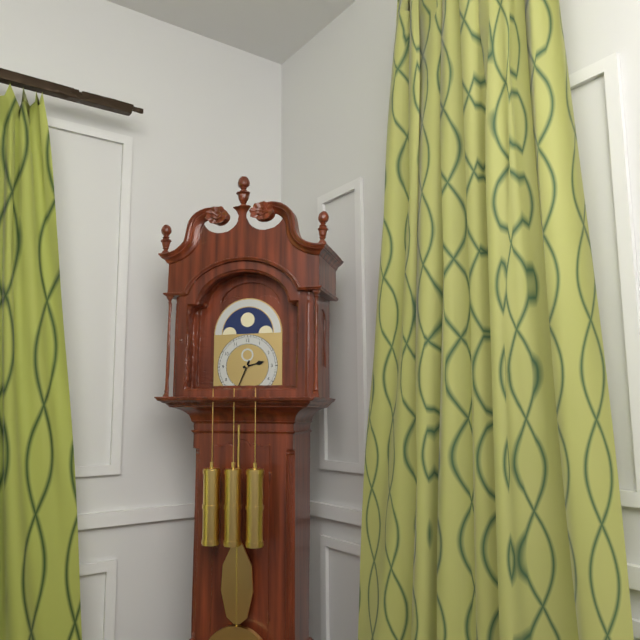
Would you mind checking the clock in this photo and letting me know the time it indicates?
2:34
